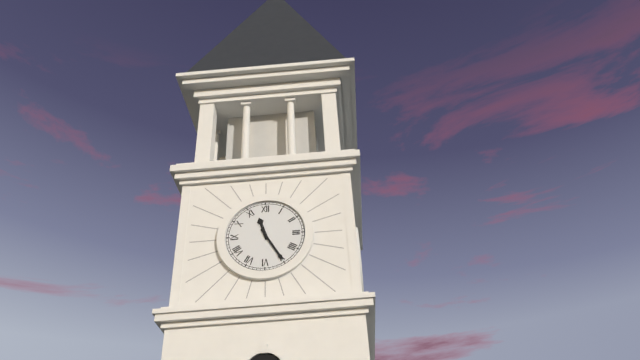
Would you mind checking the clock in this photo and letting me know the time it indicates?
11:25
